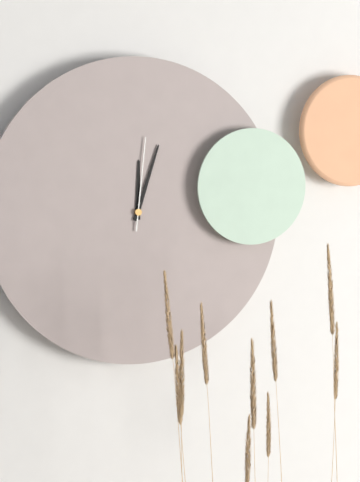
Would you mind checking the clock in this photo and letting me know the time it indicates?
12:03:01
